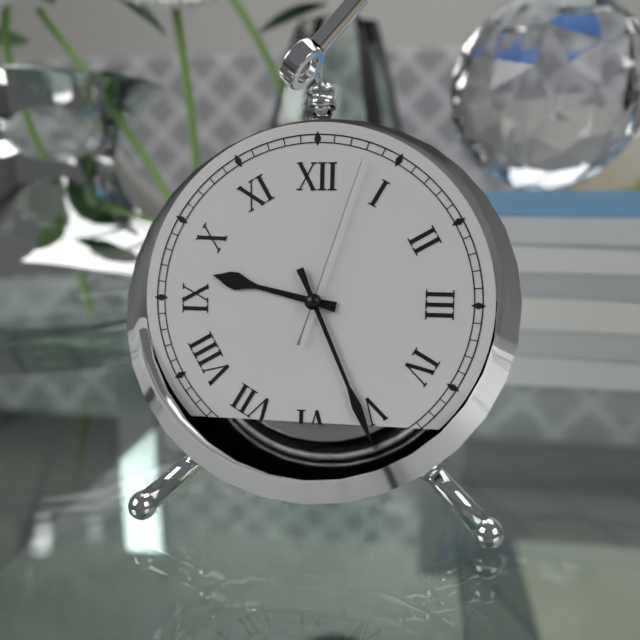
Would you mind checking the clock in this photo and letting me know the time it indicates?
9:26:03
